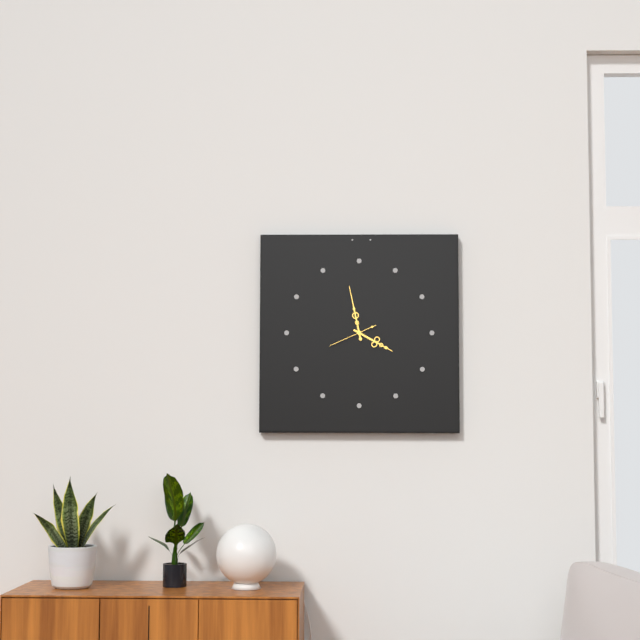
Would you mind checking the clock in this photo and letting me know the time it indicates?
3:58
